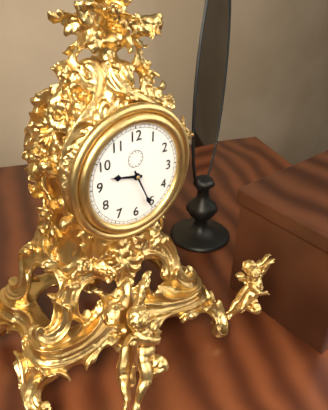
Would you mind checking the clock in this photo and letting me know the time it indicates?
9:26
